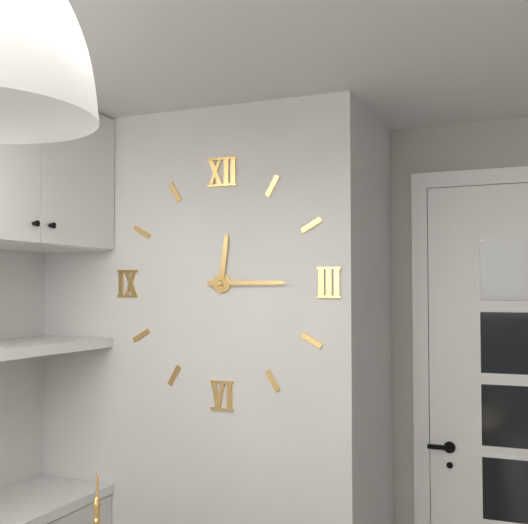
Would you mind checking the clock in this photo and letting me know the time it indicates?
12:15
